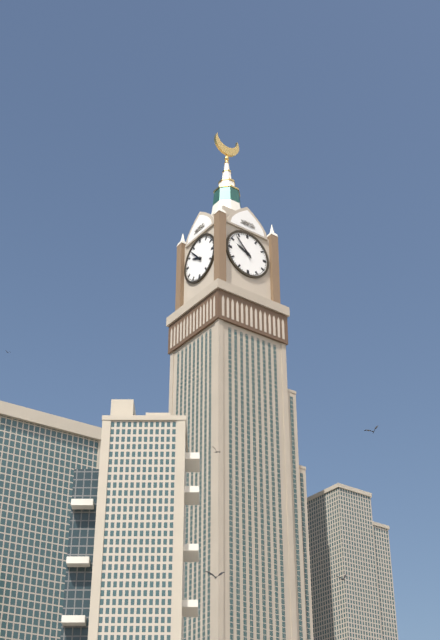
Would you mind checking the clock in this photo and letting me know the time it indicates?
9:53
